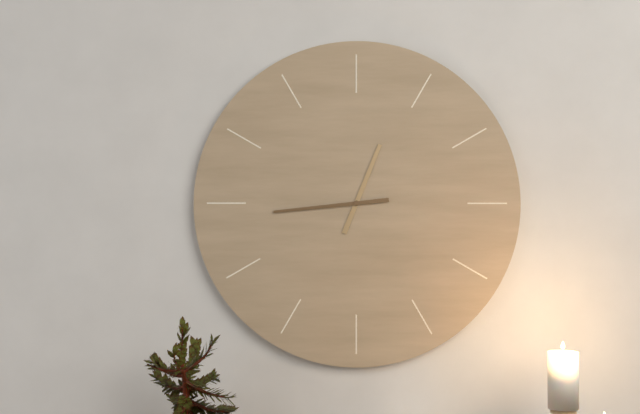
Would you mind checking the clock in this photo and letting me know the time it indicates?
12:44
